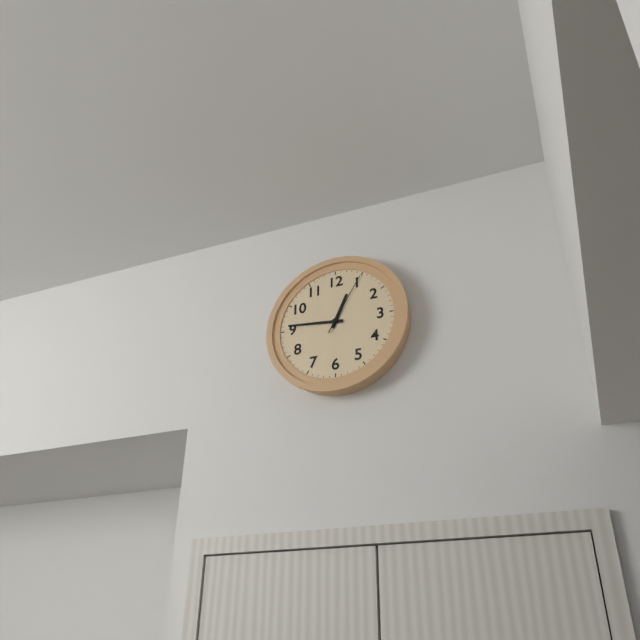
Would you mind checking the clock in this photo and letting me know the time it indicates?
12:46:05
